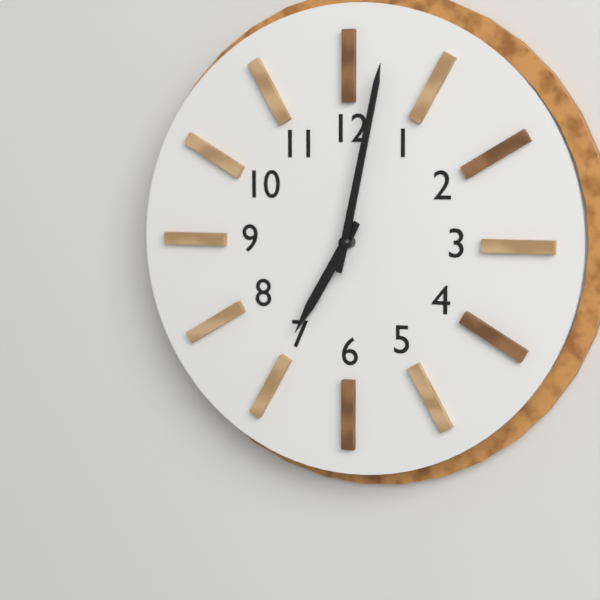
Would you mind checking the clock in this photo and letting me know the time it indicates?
7:02
